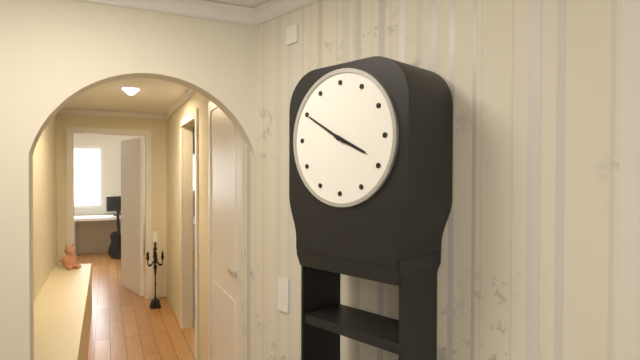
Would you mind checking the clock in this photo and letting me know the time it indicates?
3:50
